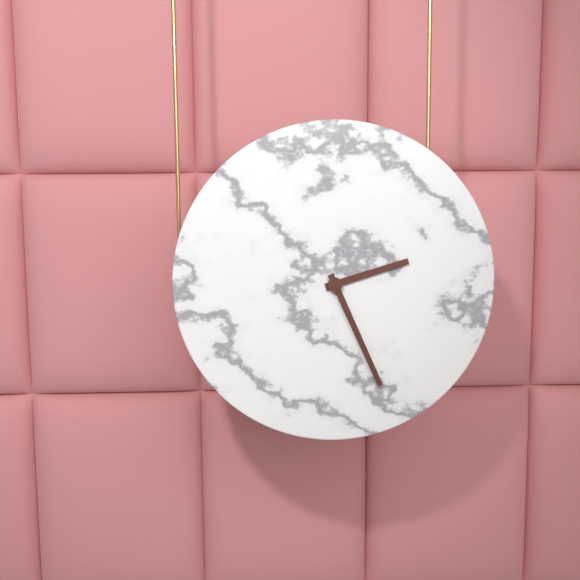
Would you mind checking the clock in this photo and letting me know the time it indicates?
2:26
